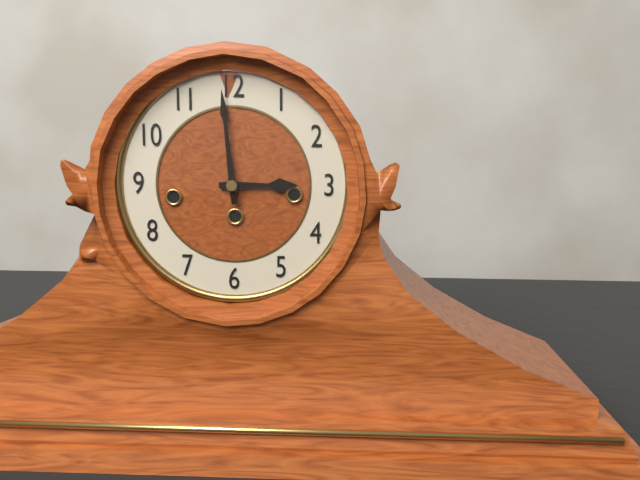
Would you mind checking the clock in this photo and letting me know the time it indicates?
2:59
